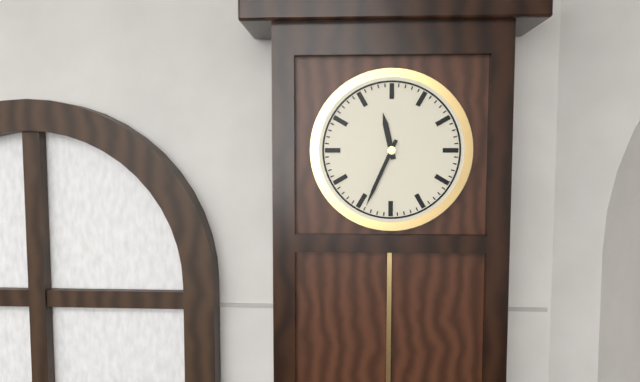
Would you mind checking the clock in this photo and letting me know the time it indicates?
11:34
